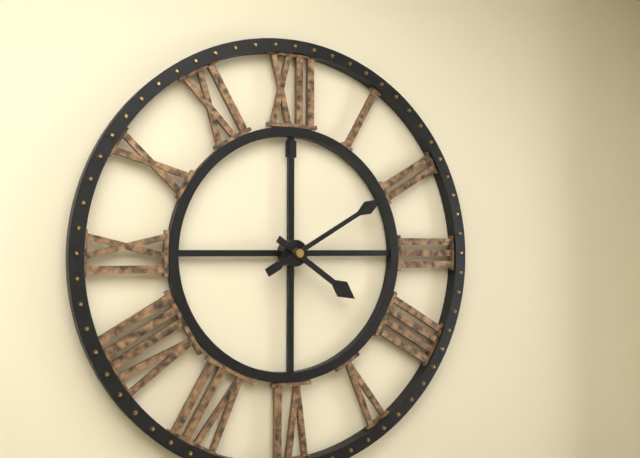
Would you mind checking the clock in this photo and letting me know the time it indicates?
4:10
